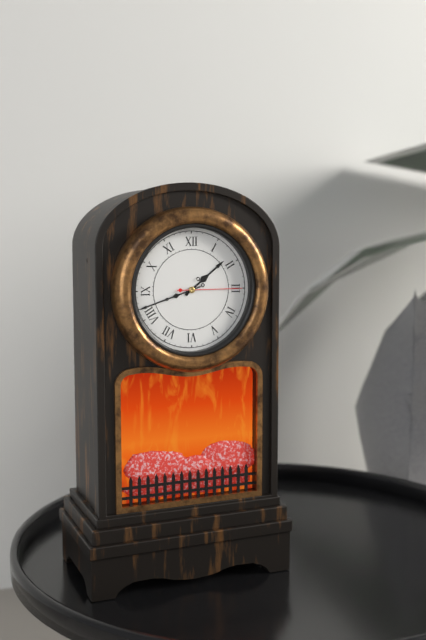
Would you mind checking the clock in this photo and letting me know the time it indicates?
1:42:15
